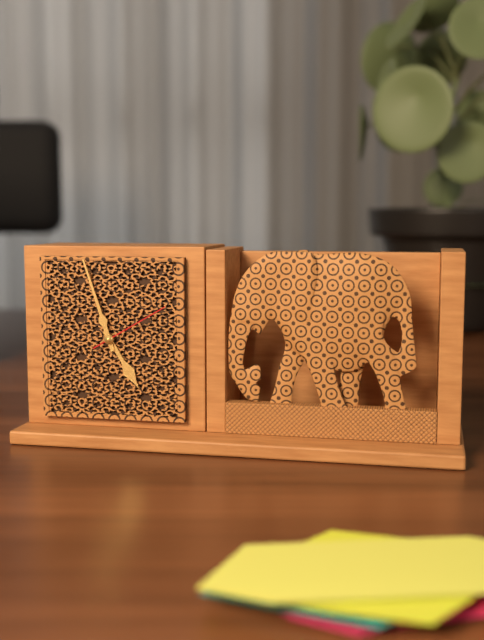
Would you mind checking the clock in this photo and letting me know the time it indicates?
4:57:10
